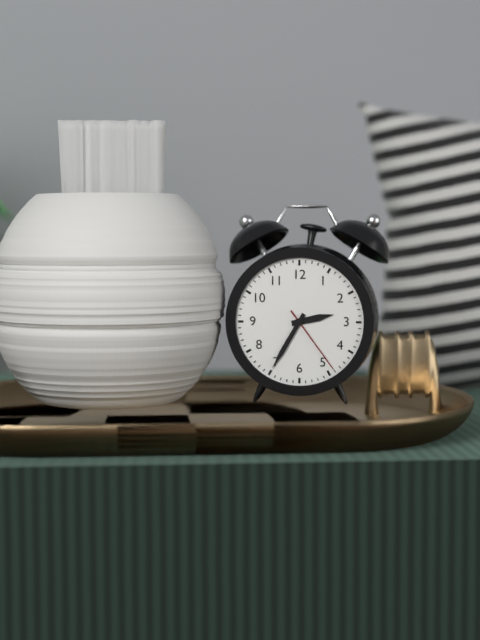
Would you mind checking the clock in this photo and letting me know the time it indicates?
2:35:24
